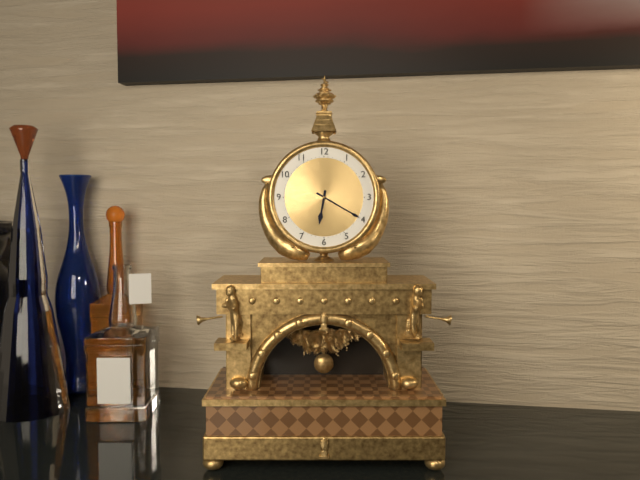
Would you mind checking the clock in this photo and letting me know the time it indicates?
6:20
